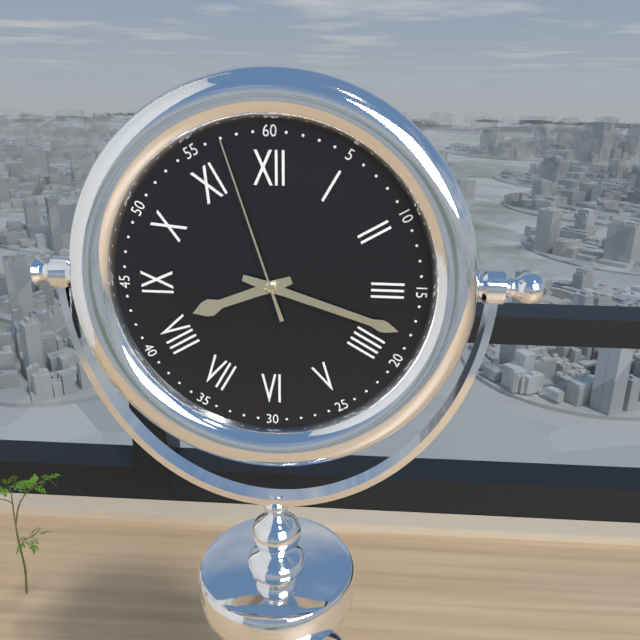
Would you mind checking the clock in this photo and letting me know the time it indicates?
8:18:57
